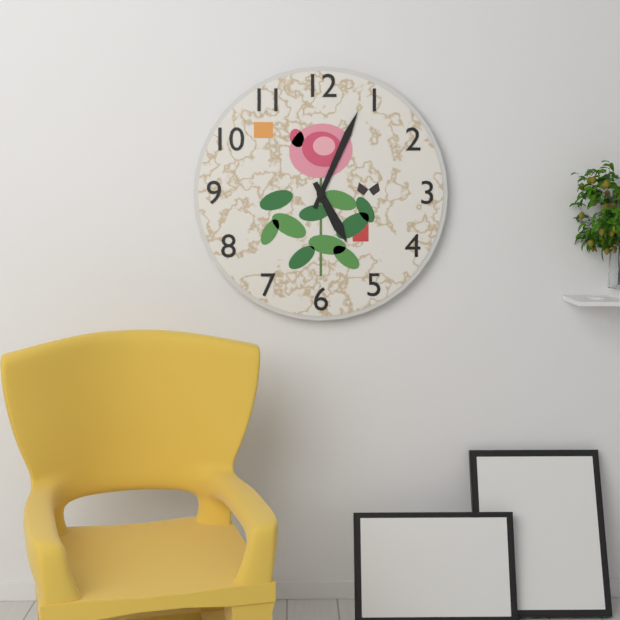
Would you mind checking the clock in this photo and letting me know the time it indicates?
5:04
